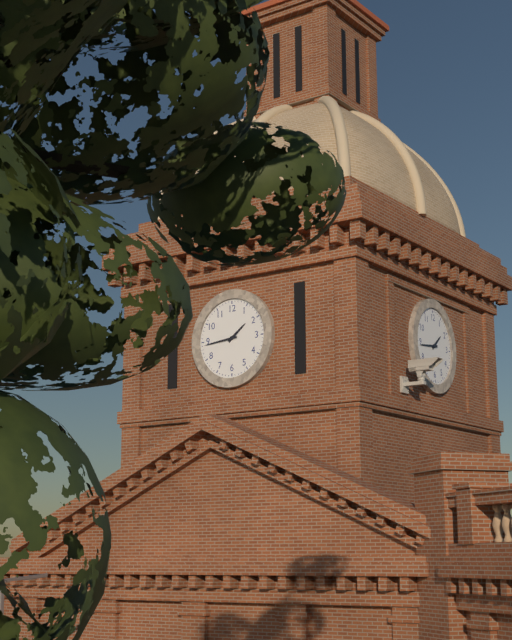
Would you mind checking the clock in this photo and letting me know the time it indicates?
1:44
